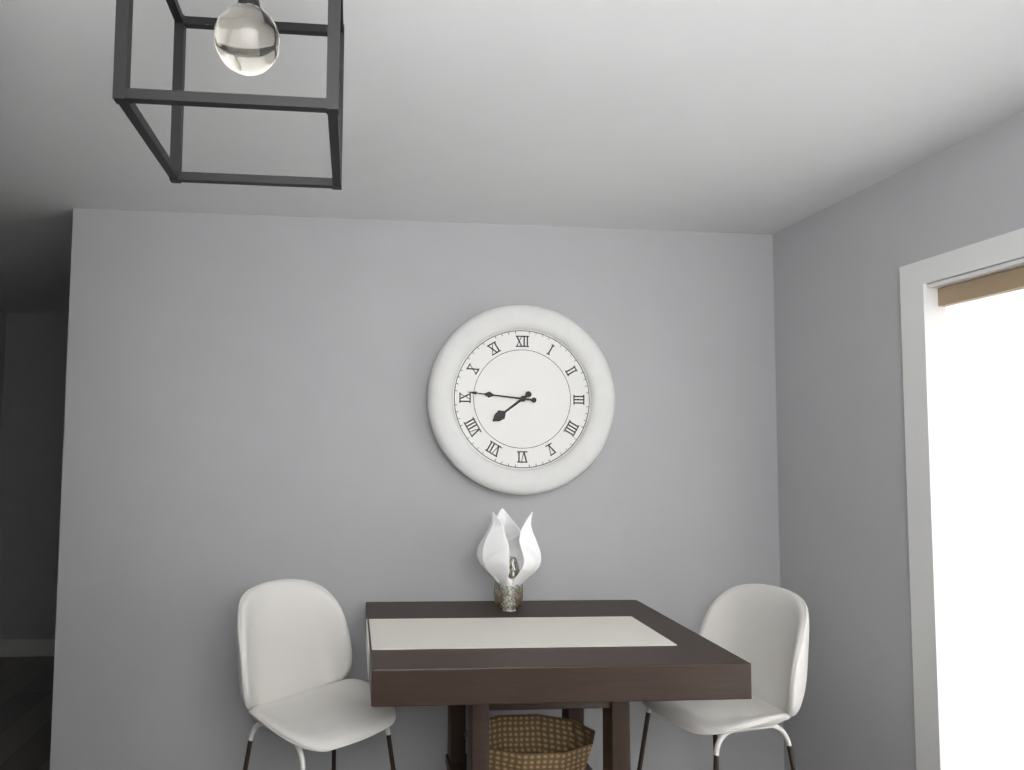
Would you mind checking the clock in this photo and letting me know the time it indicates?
7:46
